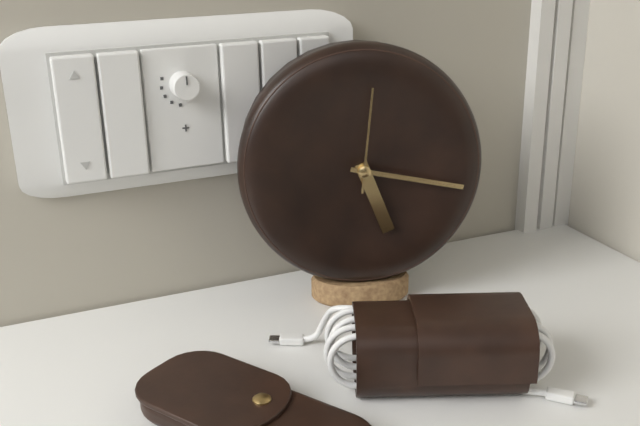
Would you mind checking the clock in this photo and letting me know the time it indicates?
5:17:01
